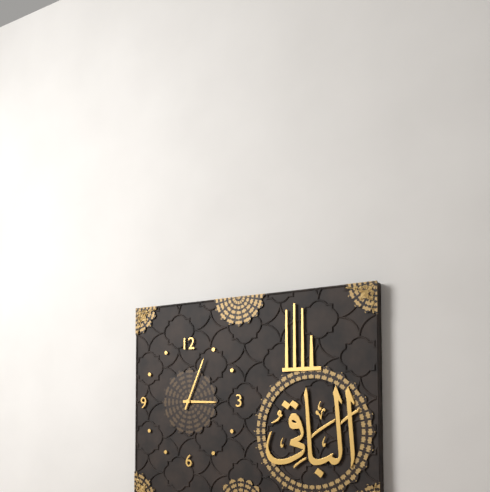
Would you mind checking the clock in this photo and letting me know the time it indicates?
3:04
